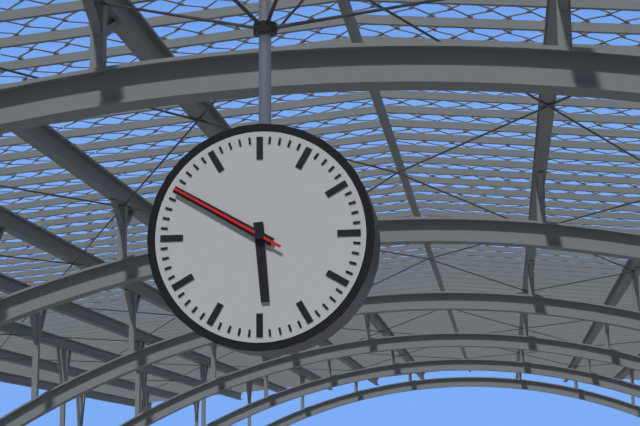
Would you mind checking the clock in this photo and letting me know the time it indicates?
5:50:50
